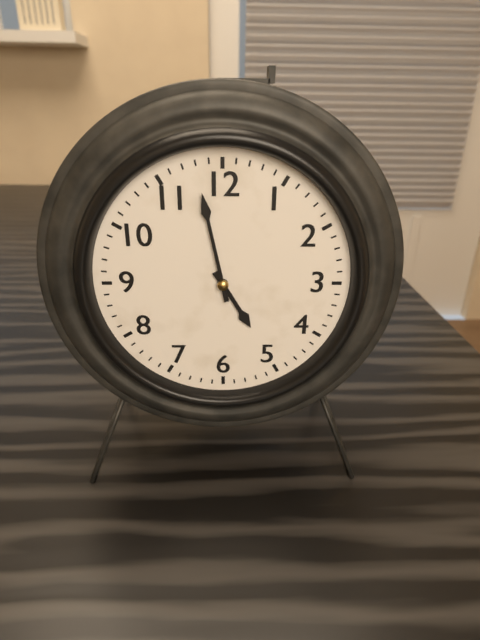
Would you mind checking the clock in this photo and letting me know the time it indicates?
4:58
